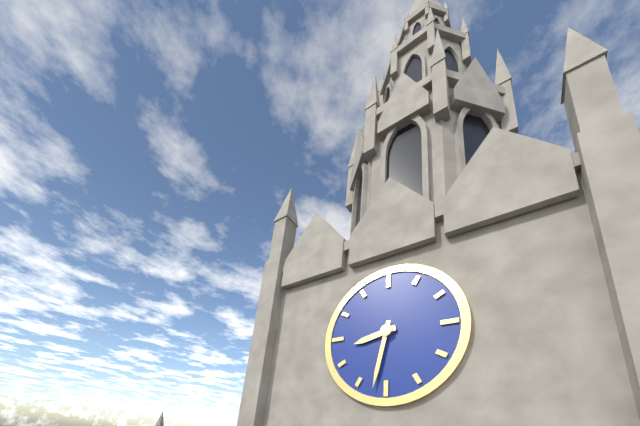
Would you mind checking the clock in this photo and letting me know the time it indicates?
8:32
